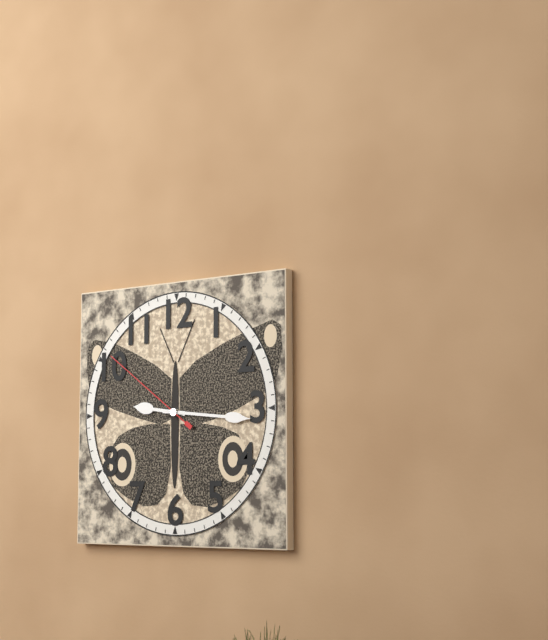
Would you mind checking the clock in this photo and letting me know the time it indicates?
9:16:51
